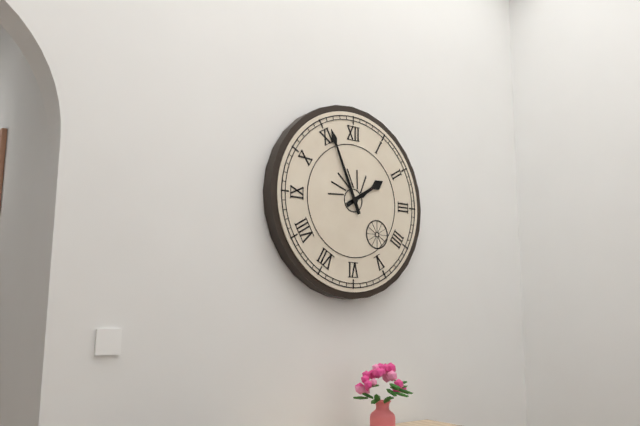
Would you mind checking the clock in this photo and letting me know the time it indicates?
1:56
